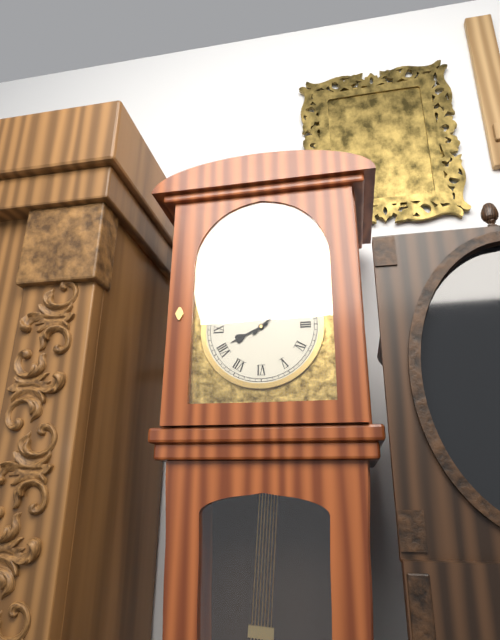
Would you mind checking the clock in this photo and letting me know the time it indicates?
8:08
